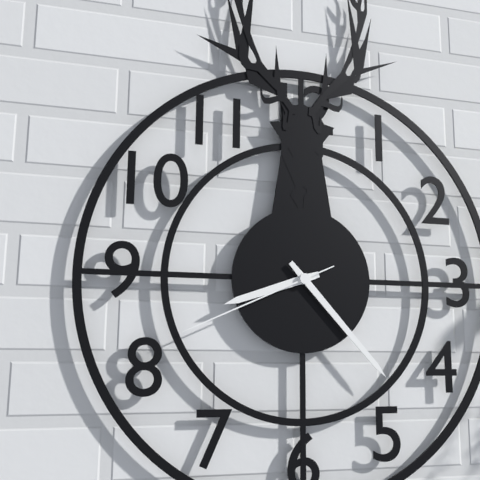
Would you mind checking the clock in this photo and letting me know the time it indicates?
8:23:41
